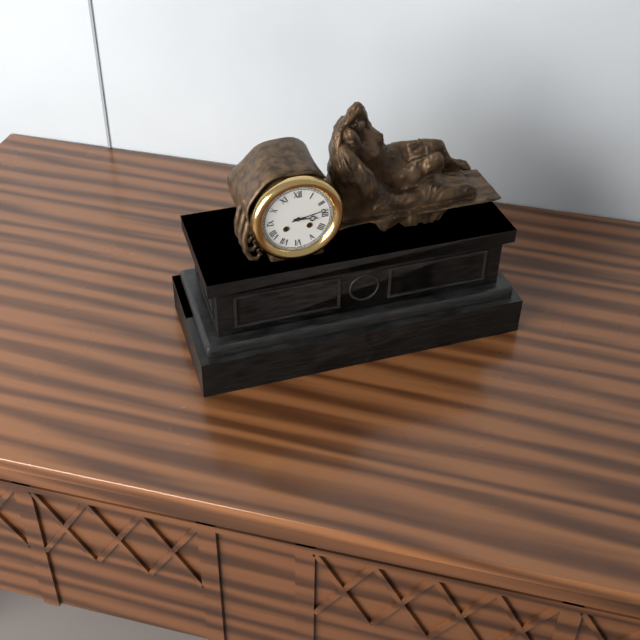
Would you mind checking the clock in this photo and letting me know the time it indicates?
3:13
